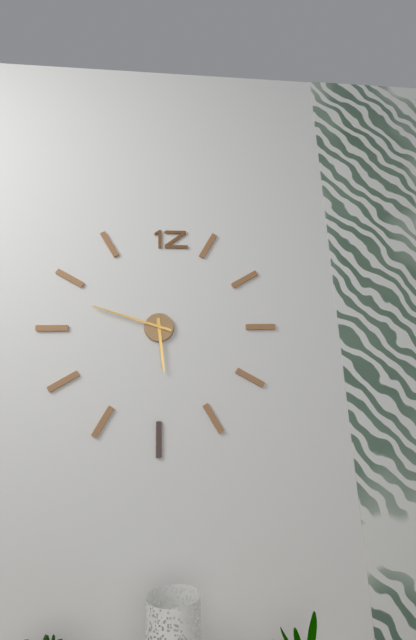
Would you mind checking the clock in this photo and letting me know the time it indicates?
5:48
